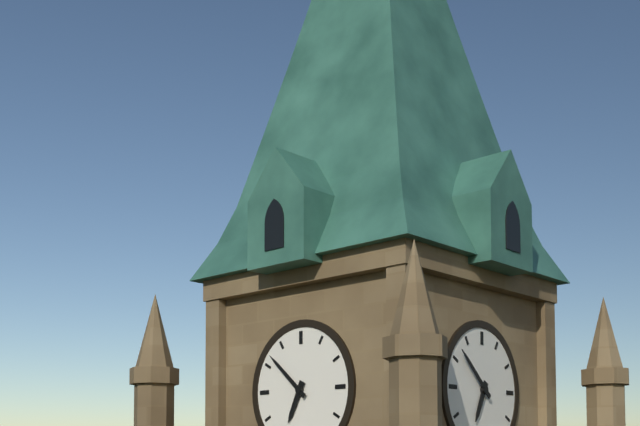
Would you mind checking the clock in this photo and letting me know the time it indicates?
6:52
